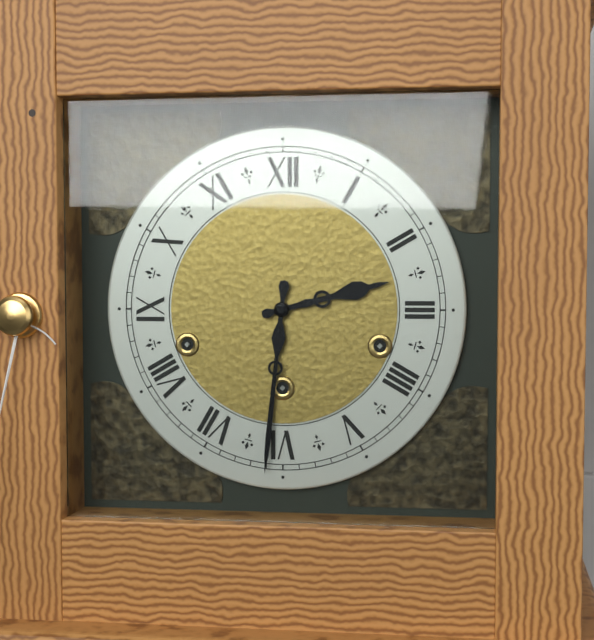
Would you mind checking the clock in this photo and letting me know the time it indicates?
2:31
